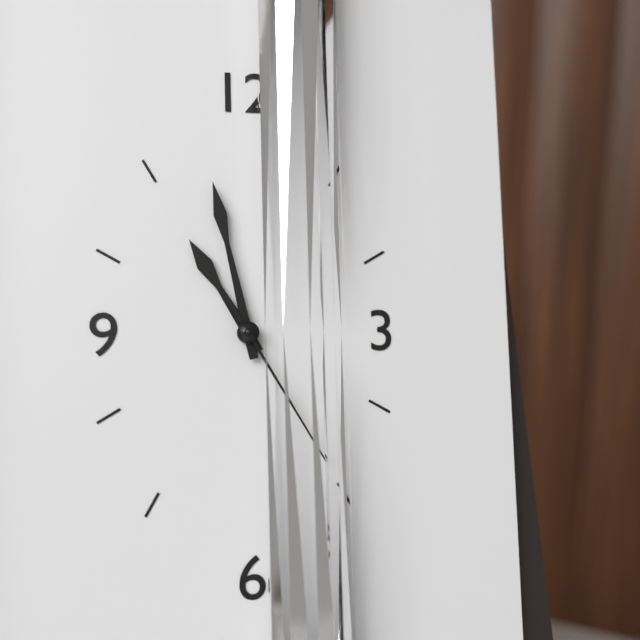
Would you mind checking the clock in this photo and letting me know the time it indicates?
10:58:25
